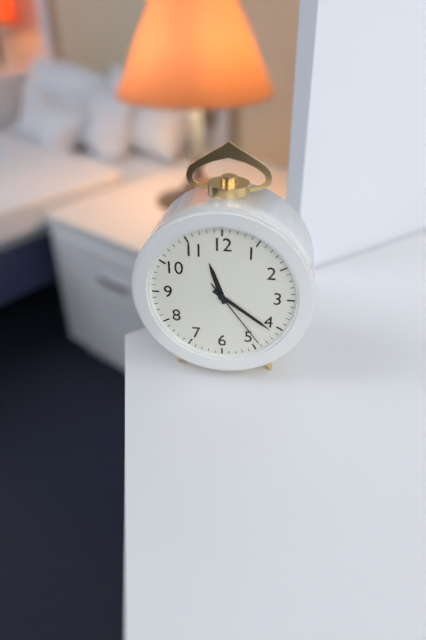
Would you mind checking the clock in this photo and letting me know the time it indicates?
11:21:24
